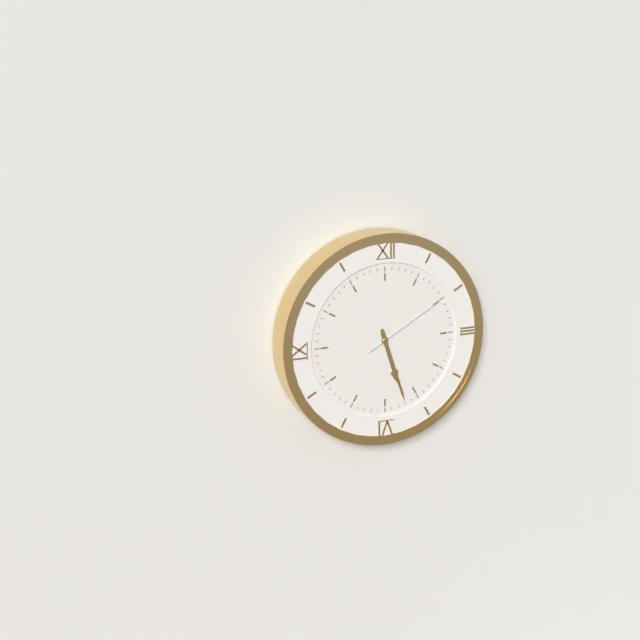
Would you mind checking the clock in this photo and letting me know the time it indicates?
5:27:10
